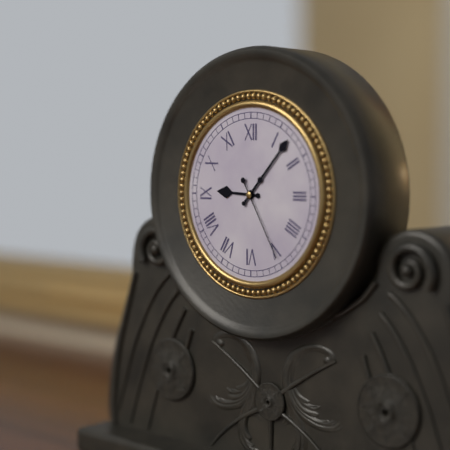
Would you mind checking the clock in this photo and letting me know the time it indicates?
9:07:25
